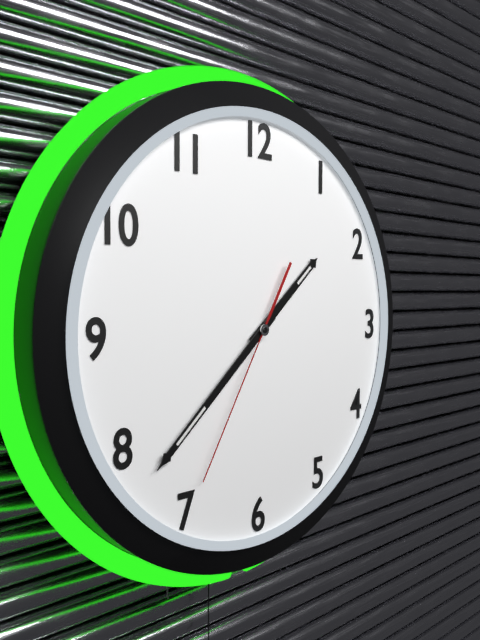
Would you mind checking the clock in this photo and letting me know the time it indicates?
1:38:35
